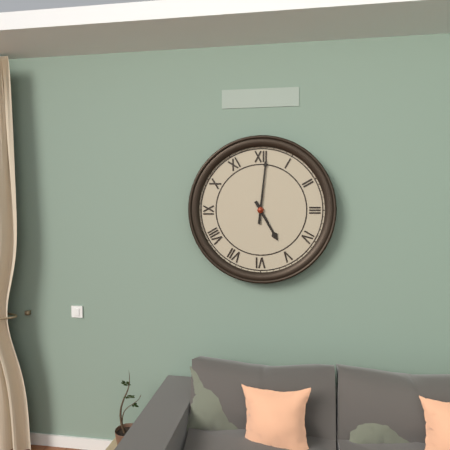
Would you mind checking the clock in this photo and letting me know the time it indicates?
5:01
